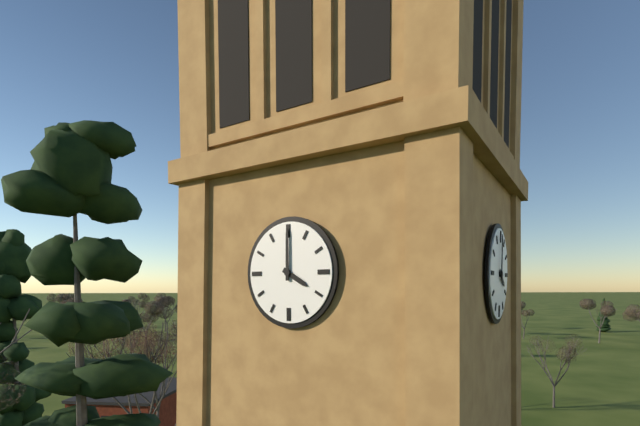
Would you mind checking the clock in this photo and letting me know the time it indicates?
4:00
